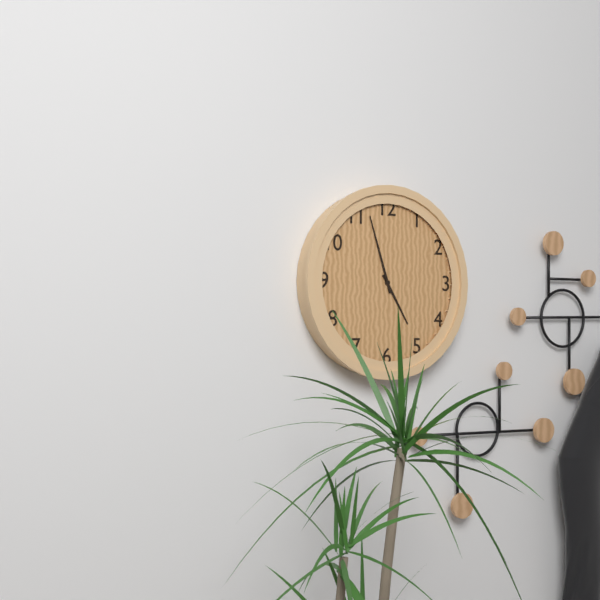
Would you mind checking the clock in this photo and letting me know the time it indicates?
4:57
